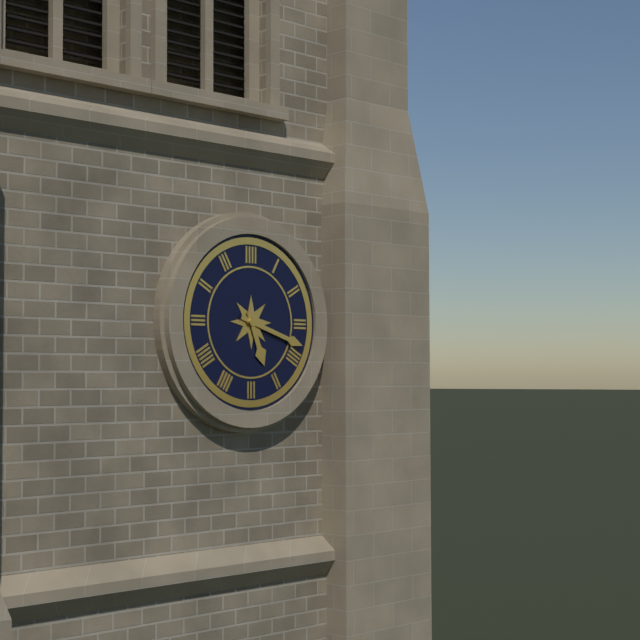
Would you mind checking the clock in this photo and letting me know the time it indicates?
5:18
